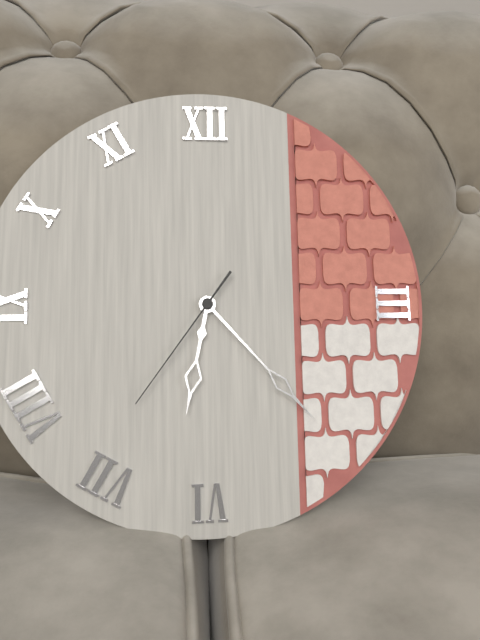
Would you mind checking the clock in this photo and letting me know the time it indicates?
6:23:36
